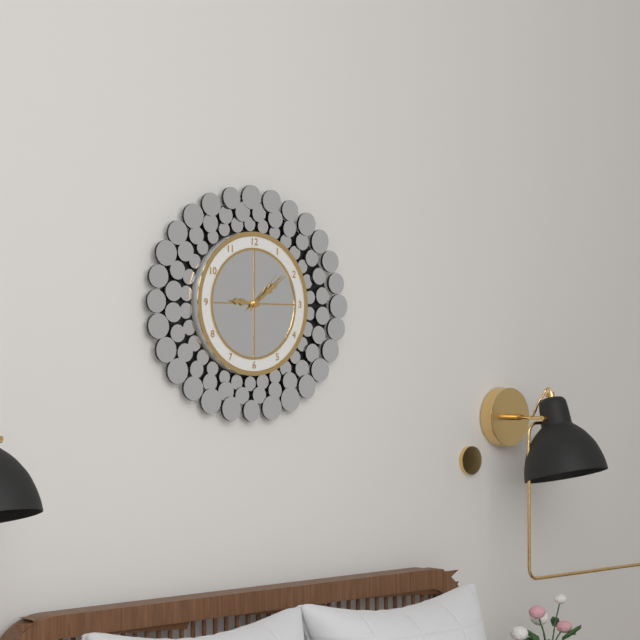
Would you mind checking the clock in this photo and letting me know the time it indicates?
9:09
